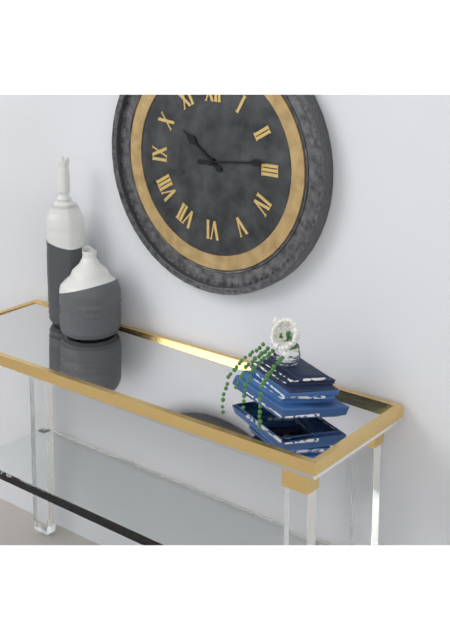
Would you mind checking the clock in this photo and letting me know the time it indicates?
10:14
